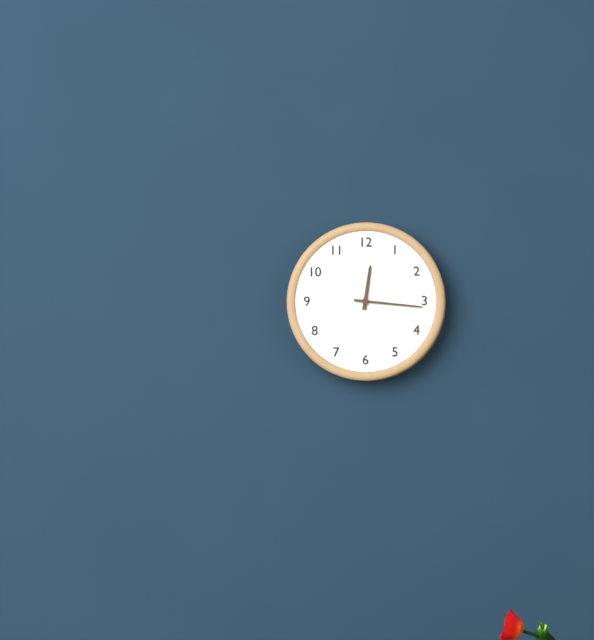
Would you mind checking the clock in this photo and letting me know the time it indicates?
12:16
